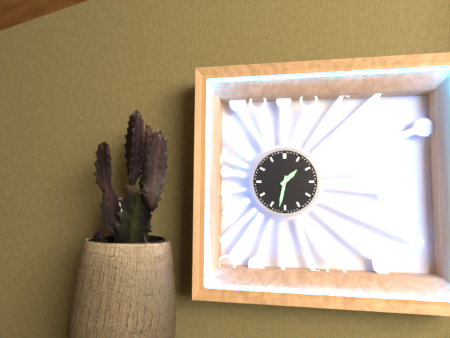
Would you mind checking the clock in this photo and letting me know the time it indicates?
1:32
